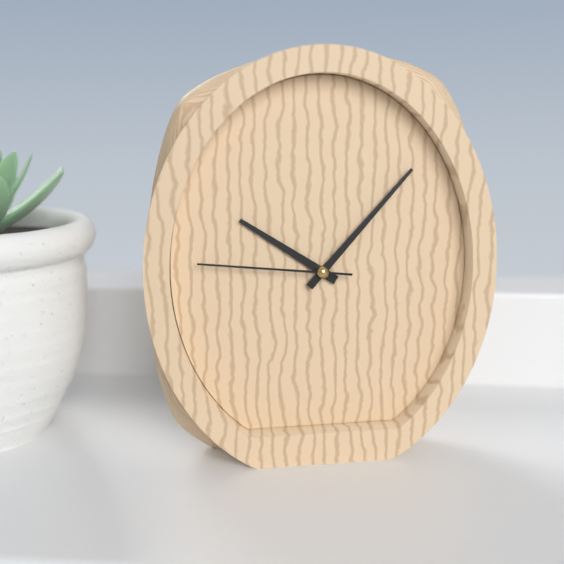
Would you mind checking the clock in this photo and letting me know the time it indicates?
10:07:46
